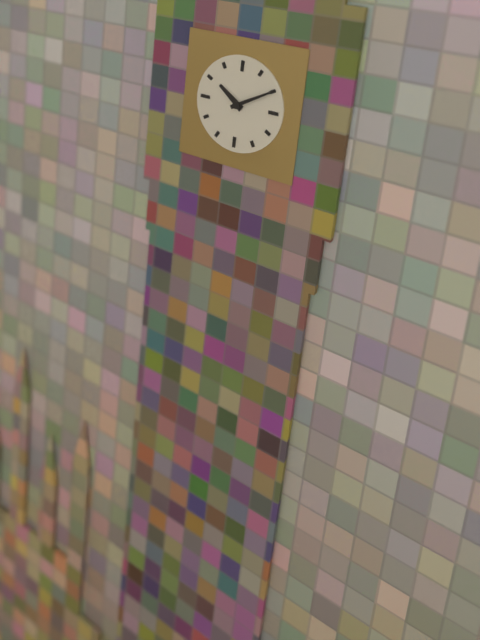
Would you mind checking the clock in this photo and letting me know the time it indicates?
10:10
